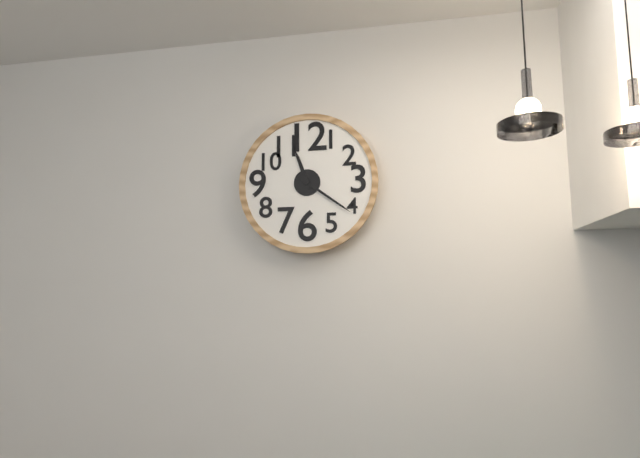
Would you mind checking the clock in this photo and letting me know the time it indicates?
11:21
